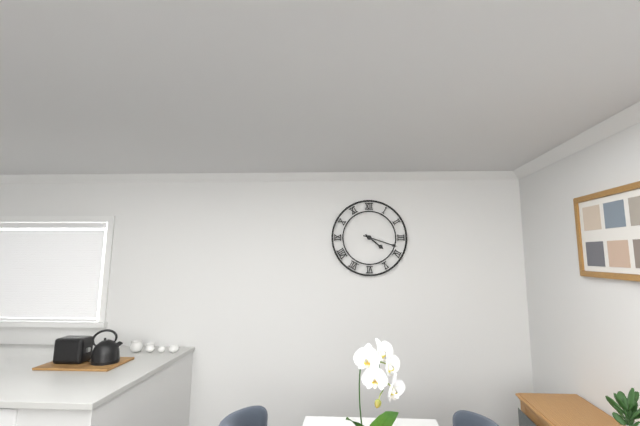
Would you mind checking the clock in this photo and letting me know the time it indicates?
4:18
